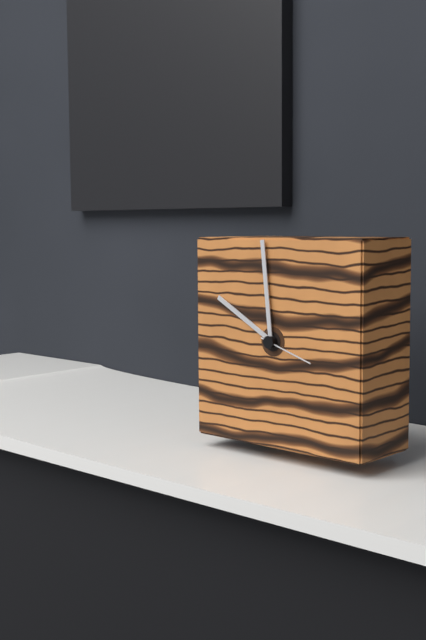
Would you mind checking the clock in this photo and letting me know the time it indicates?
9:59:18
